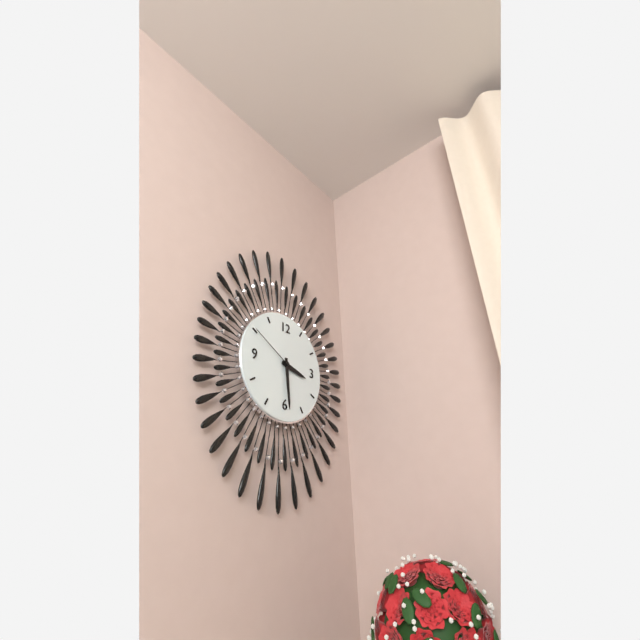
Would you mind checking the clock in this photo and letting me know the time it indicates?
3:29:50
